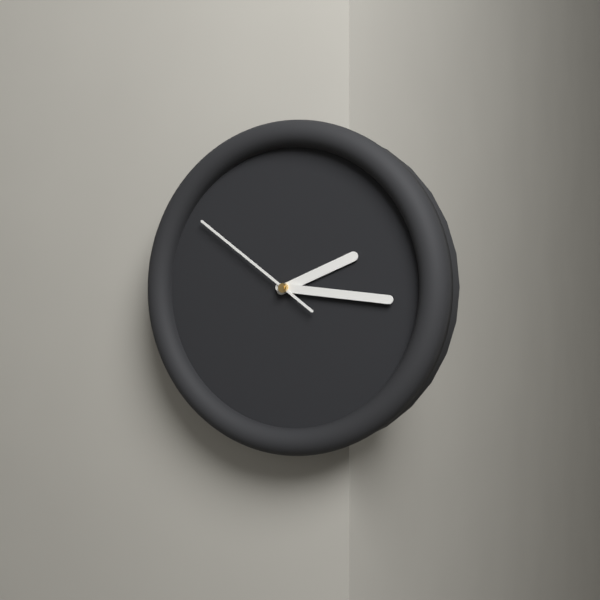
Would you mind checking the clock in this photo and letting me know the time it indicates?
2:16:51
